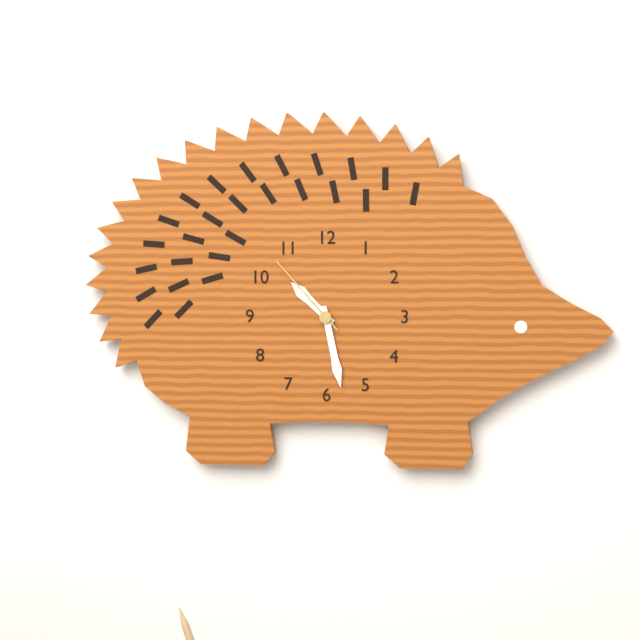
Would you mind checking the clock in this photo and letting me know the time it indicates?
10:28:53
